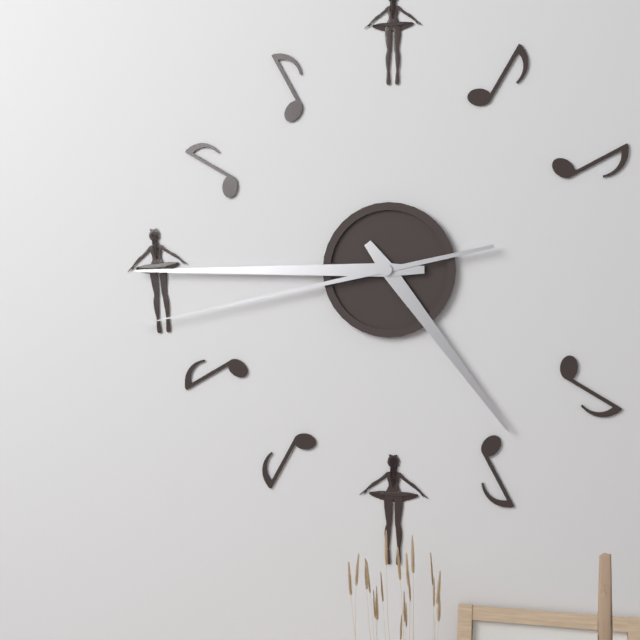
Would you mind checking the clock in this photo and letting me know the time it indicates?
4:45:43
